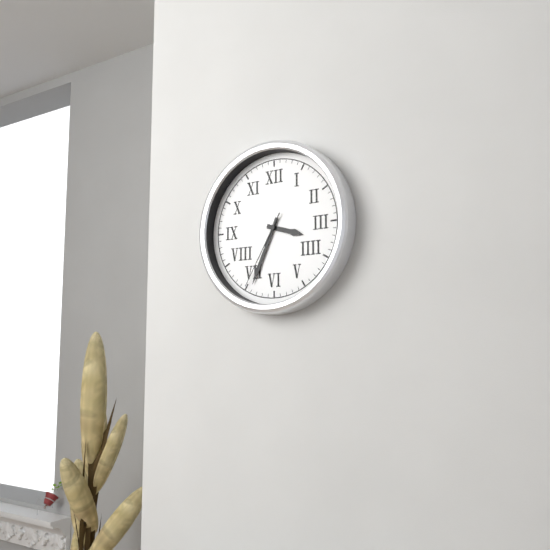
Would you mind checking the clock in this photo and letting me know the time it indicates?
3:34:35
